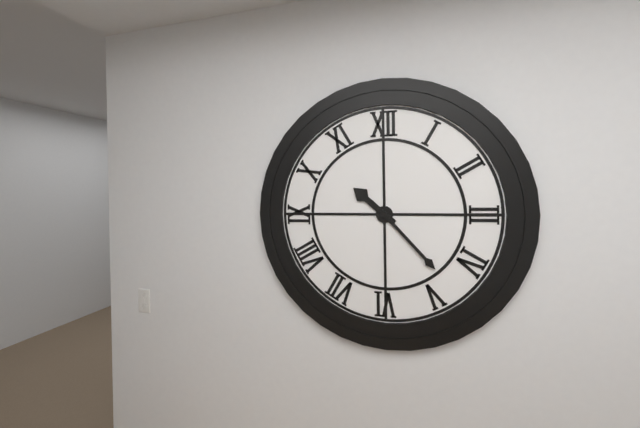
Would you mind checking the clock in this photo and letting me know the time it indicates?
10:23
